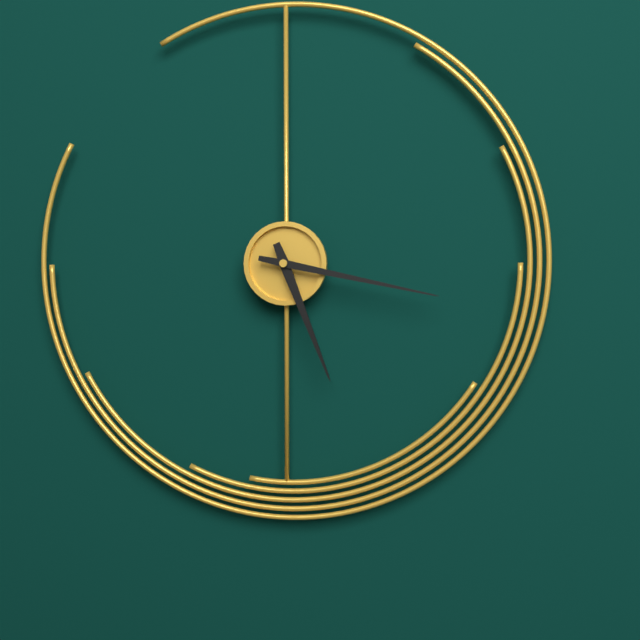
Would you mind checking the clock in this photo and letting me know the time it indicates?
5:17
